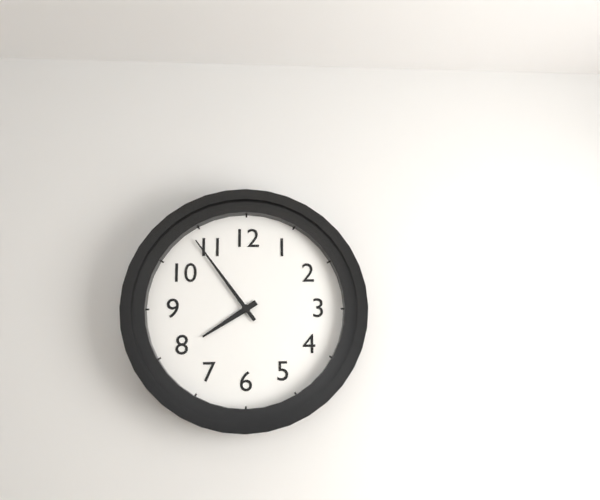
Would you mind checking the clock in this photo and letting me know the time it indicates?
7:54
